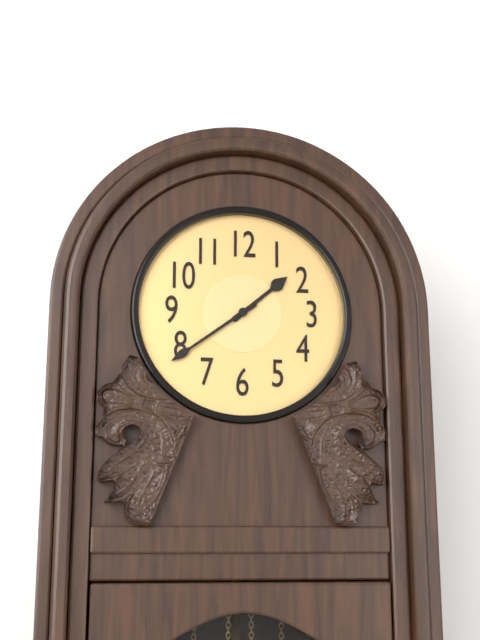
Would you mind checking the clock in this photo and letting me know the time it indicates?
1:39
